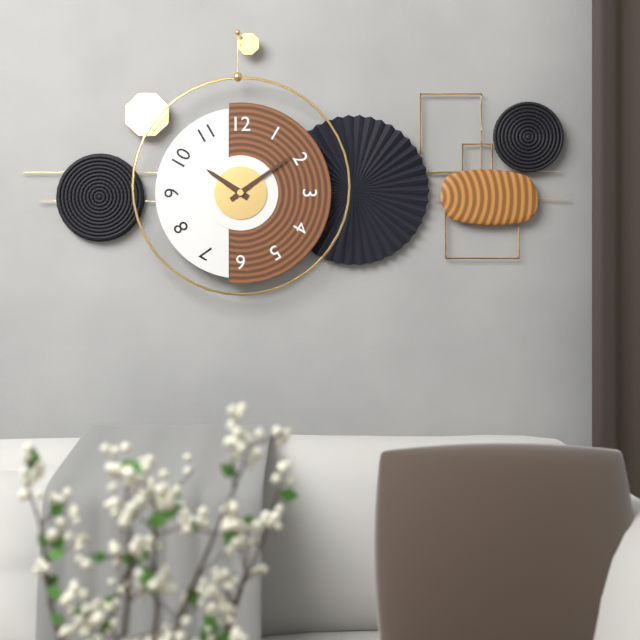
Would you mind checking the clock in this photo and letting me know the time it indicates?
10:09
